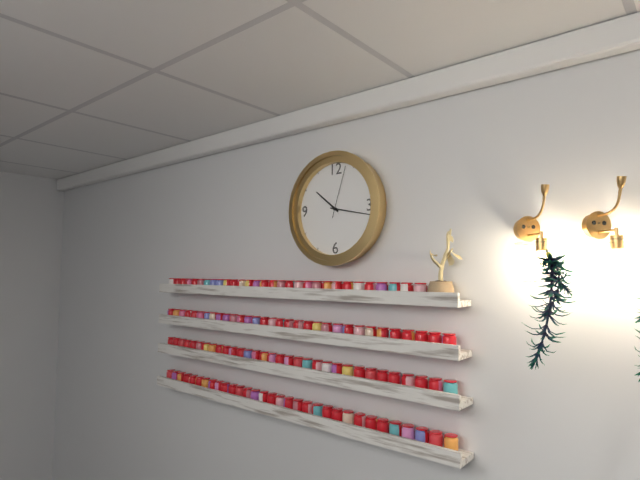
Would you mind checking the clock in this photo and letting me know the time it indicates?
10:17:03
